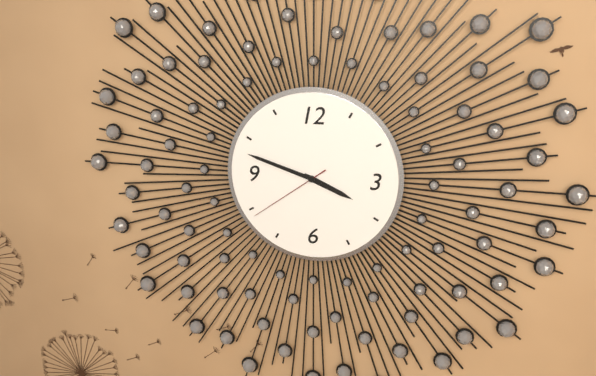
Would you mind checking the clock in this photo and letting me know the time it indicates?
3:48:39
